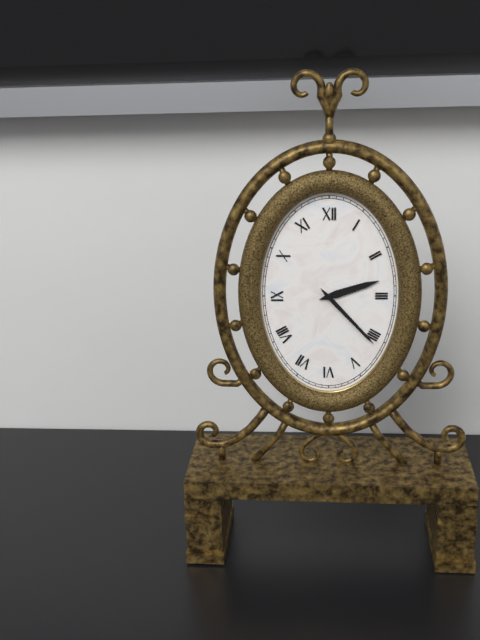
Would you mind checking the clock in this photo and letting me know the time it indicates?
2:23
